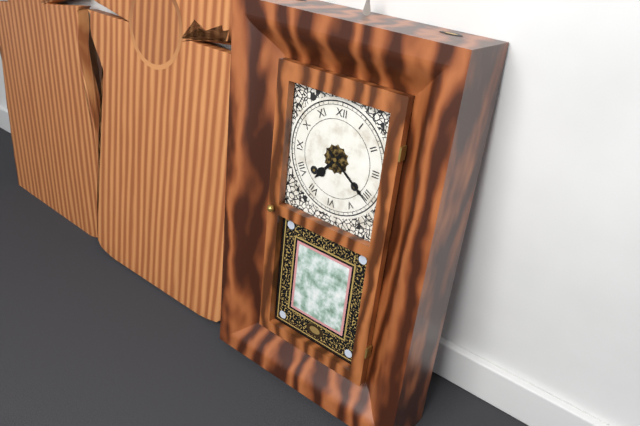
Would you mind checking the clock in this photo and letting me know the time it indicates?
7:21
